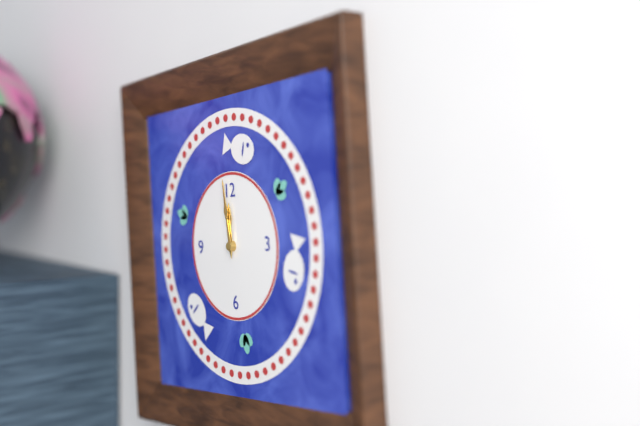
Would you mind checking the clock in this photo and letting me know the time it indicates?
11:59
